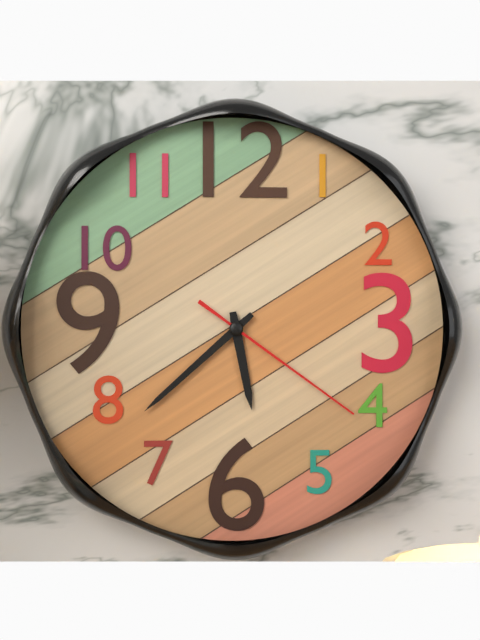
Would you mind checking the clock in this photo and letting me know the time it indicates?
5:38:21
